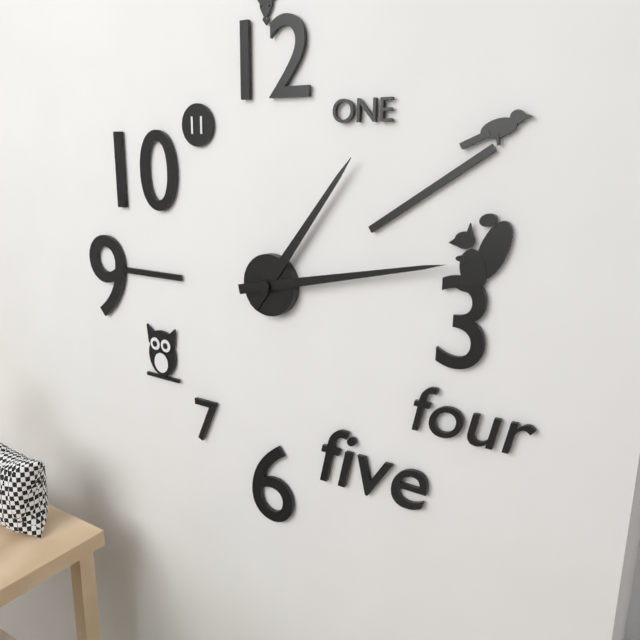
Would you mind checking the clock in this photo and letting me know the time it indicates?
1:13
